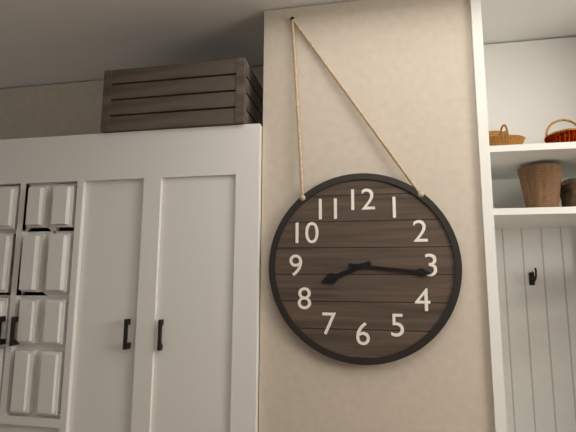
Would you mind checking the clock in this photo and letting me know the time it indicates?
8:16
